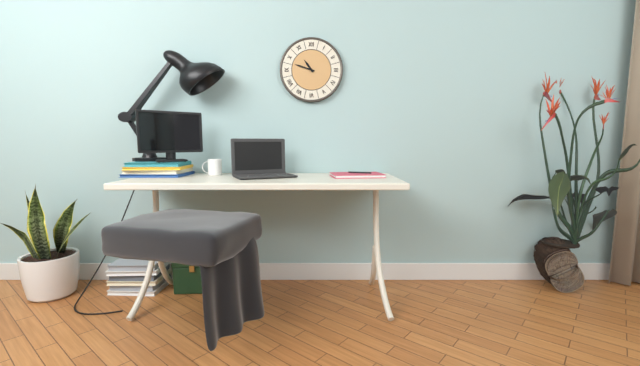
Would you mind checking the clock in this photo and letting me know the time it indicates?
10:48
